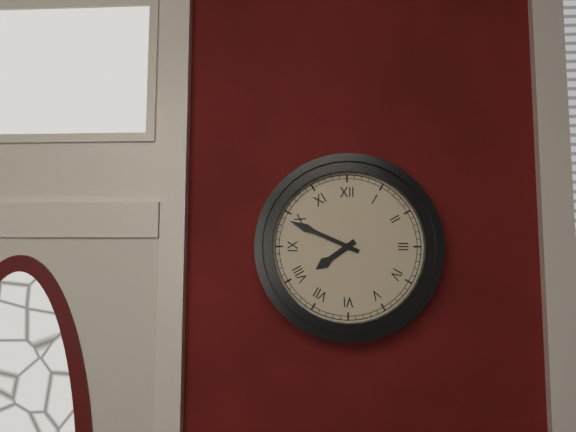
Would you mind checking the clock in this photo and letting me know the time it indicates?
7:49
